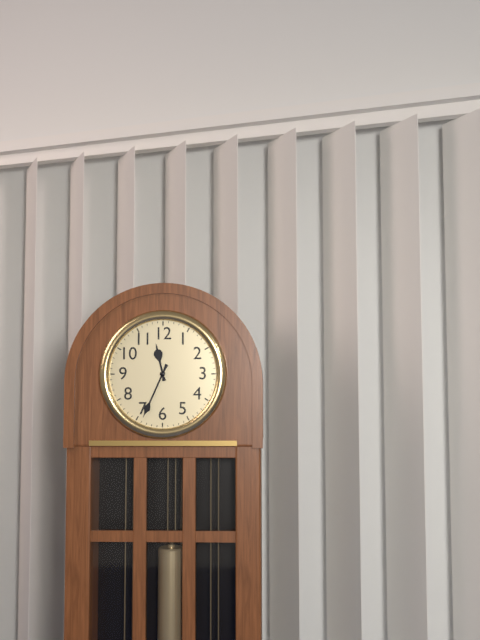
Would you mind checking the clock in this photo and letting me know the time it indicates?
11:34
